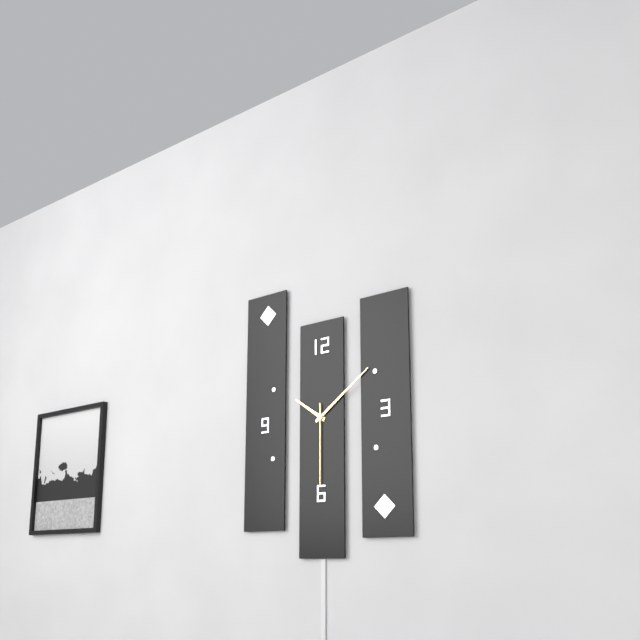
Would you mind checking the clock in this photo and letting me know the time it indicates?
10:09:30
